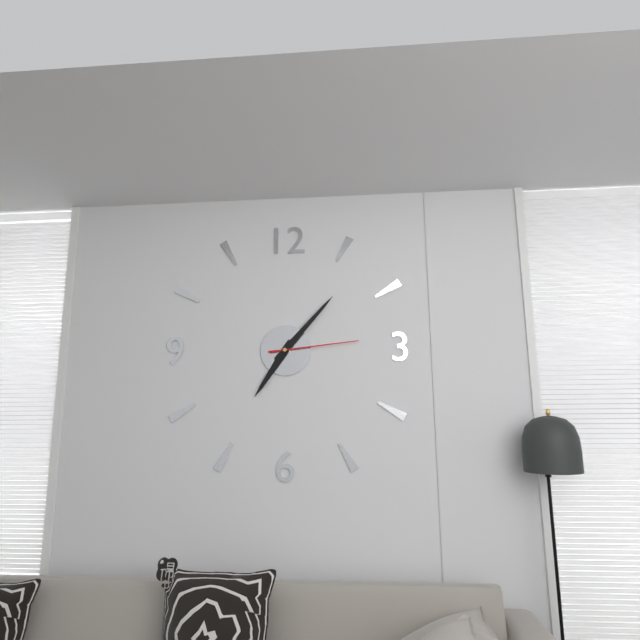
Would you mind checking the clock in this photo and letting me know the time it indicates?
7:07:14
